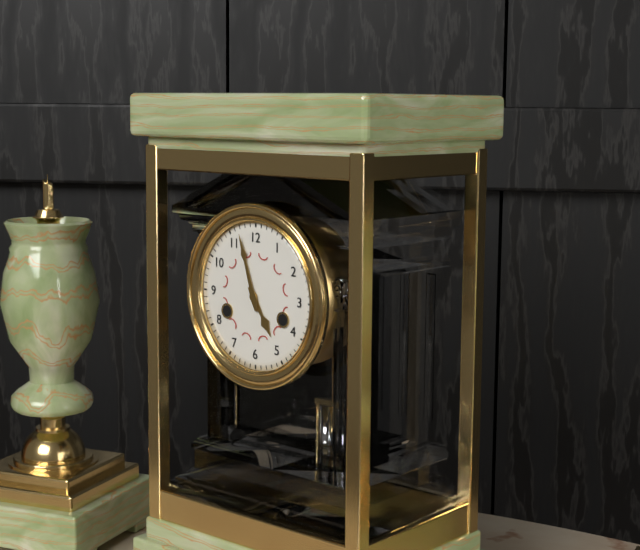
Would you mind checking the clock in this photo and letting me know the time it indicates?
4:57
